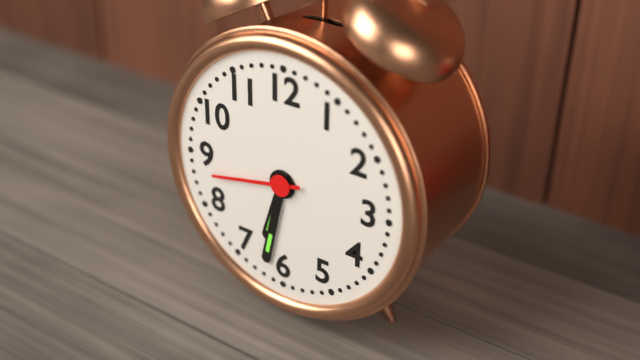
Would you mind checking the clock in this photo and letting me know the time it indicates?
6:32:43
